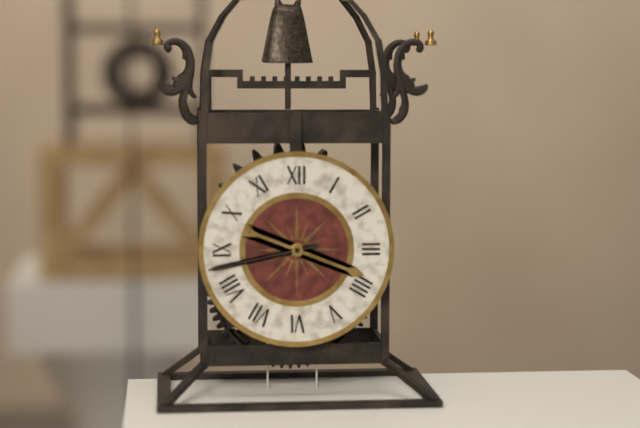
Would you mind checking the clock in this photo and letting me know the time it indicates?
3:43
